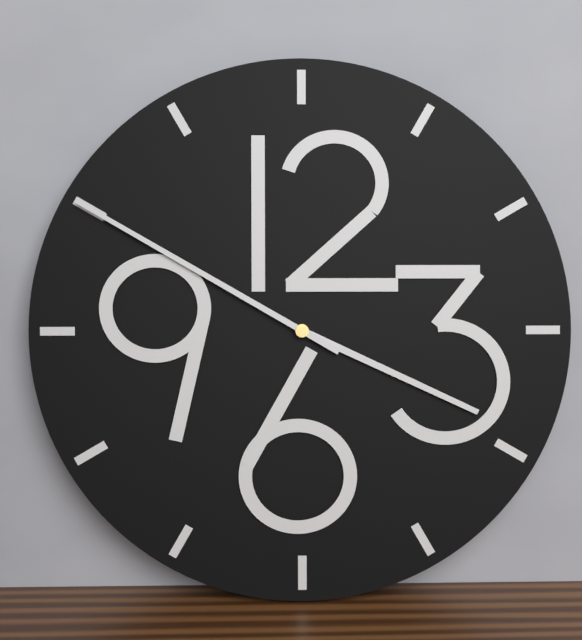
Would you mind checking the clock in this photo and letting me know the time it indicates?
3:50
